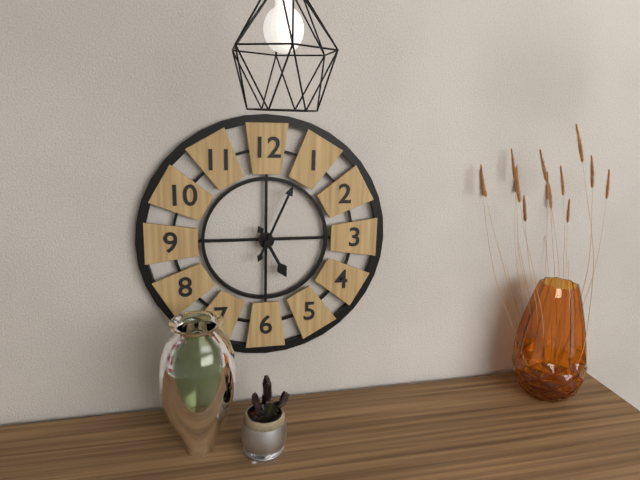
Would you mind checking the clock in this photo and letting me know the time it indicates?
5:04
